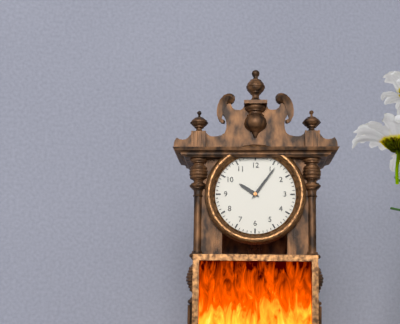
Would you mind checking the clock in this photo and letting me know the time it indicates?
10:06
